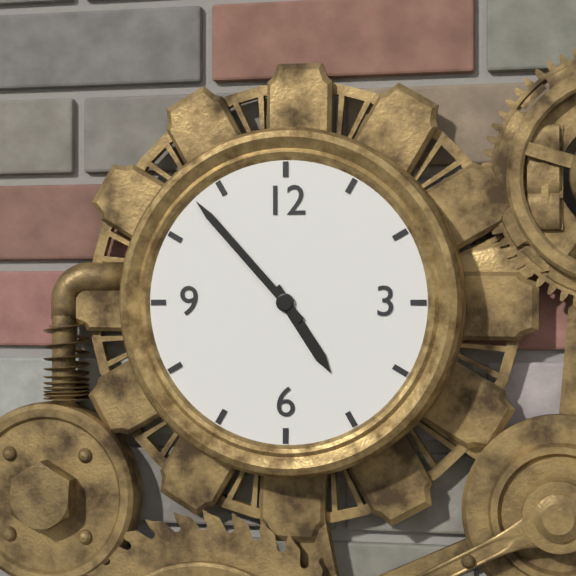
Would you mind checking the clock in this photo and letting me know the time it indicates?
4:53
